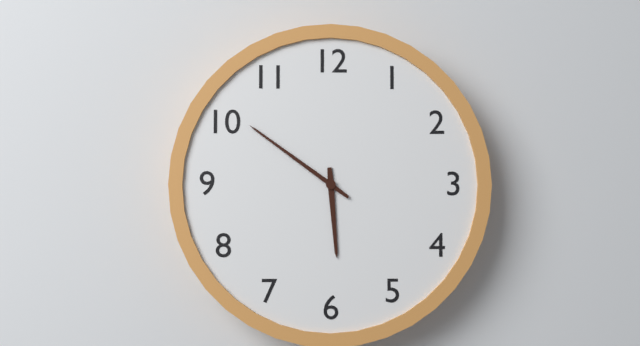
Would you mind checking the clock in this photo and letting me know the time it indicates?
5:51
